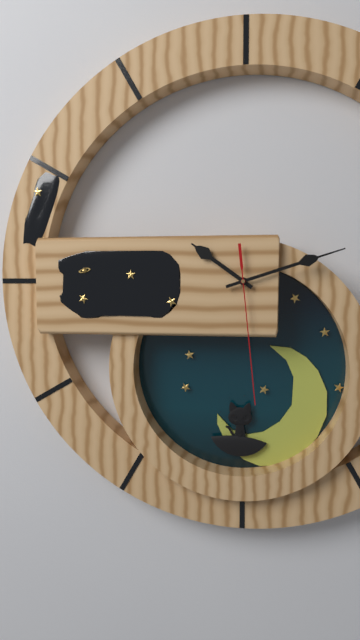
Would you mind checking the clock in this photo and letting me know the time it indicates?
10:12:29
